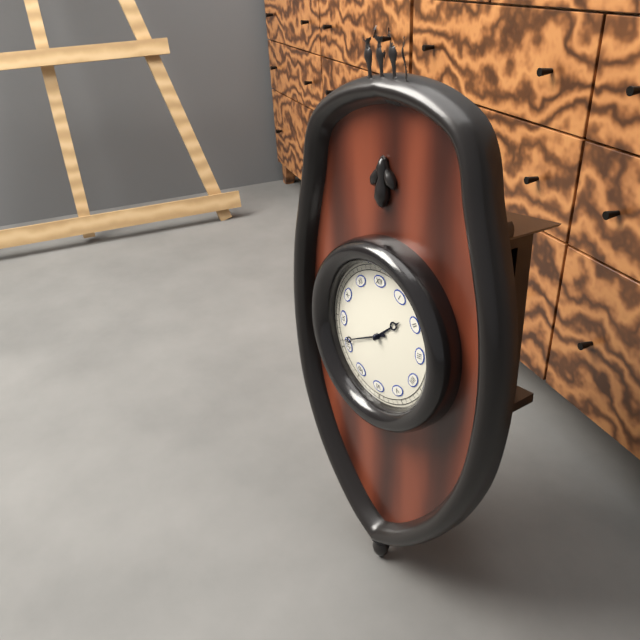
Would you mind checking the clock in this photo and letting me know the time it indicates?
1:41
